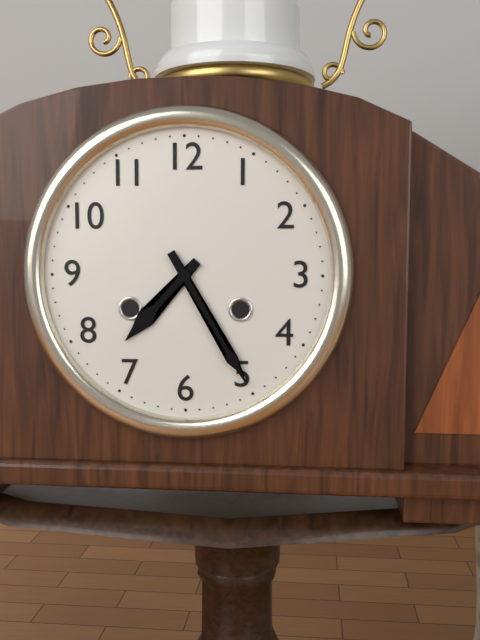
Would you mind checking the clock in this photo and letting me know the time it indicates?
7:25
